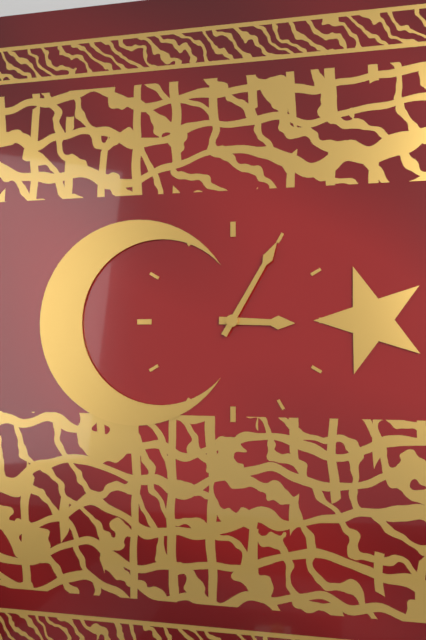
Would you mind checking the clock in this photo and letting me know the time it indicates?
3:05
